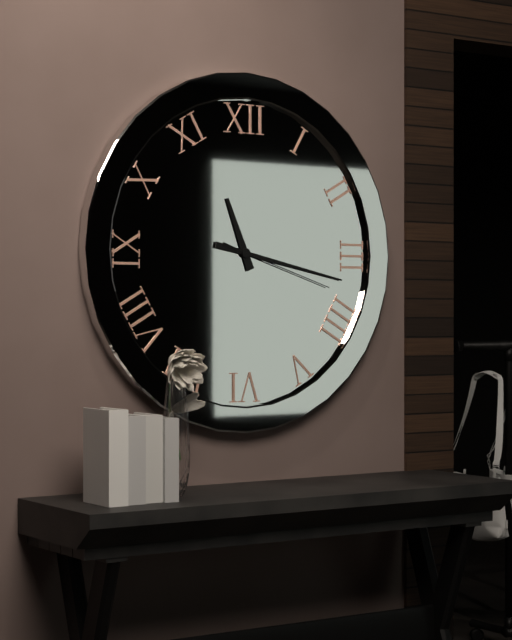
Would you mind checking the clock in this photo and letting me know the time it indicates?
11:17:18
